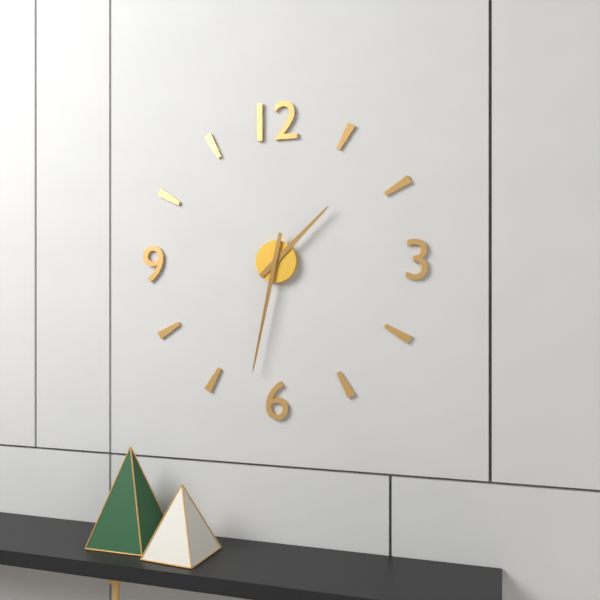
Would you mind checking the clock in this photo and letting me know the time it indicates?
1:32
